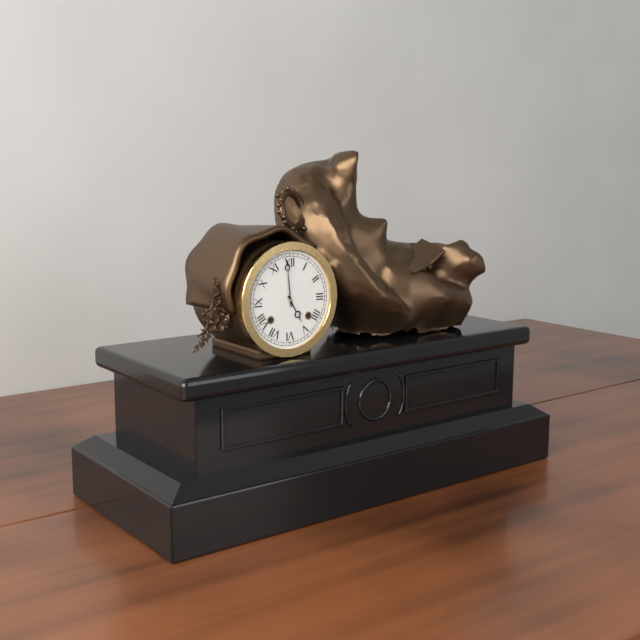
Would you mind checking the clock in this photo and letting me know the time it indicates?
4:59
